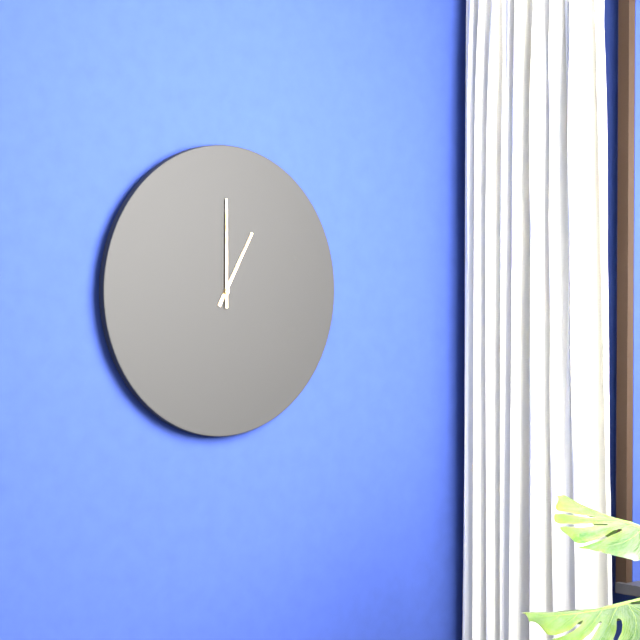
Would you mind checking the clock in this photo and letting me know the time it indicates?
1:00
